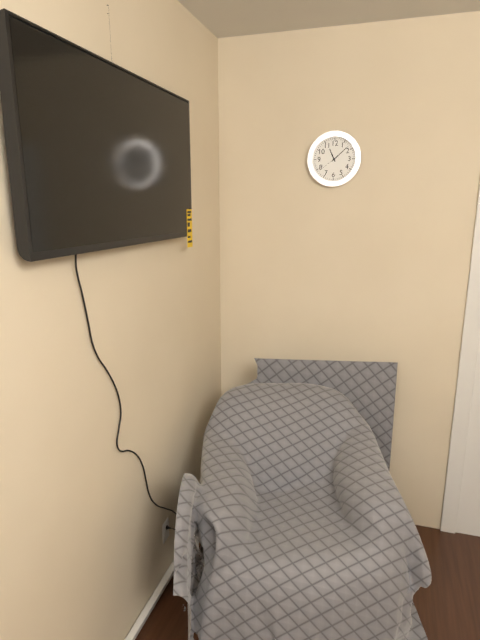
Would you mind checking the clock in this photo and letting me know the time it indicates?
11:08
